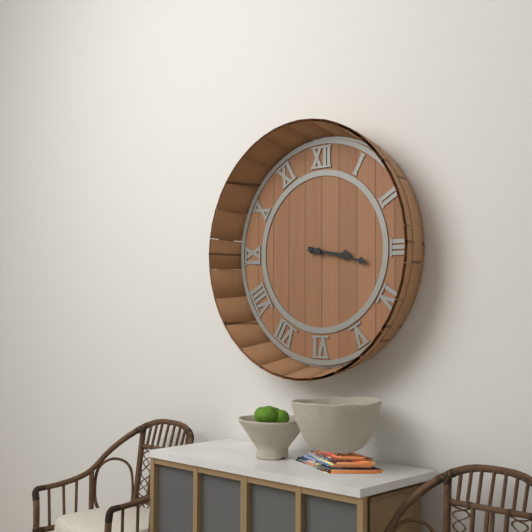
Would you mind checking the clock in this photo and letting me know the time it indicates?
3:17
